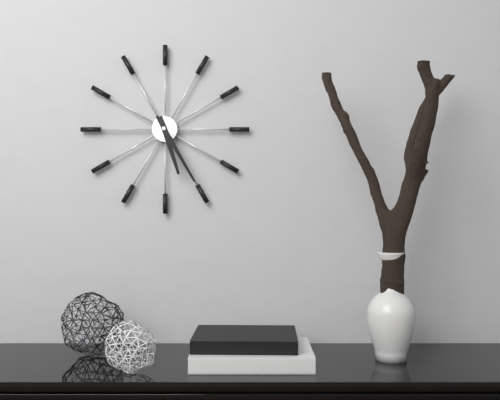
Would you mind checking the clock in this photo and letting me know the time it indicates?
5:25
